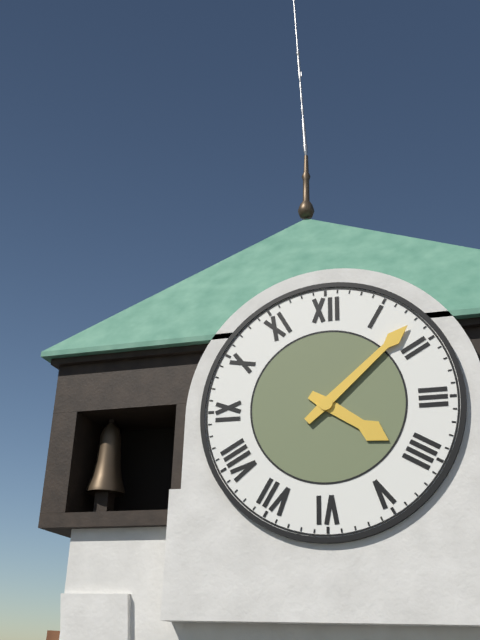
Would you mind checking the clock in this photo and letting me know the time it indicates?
4:08
